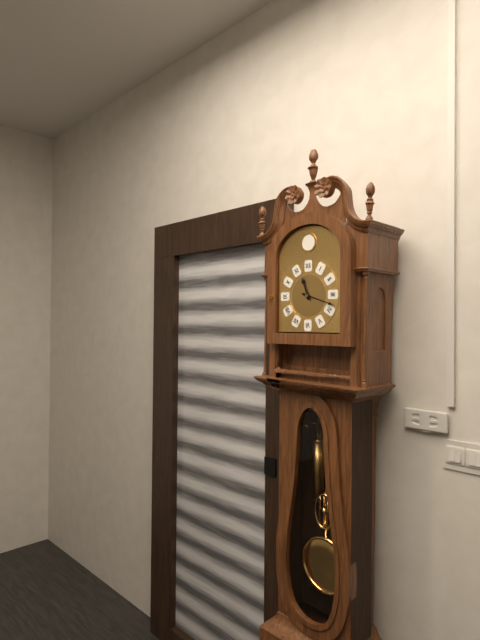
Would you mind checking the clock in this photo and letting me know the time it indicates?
11:18
